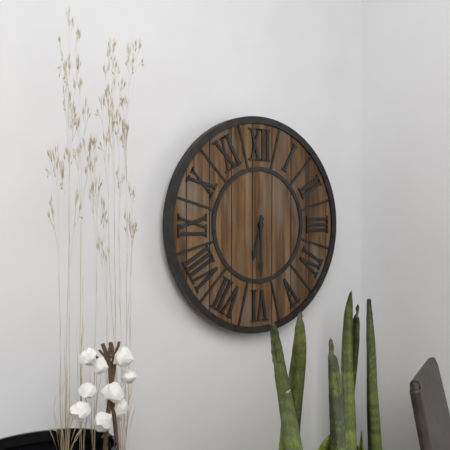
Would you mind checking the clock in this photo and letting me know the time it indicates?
6:30
